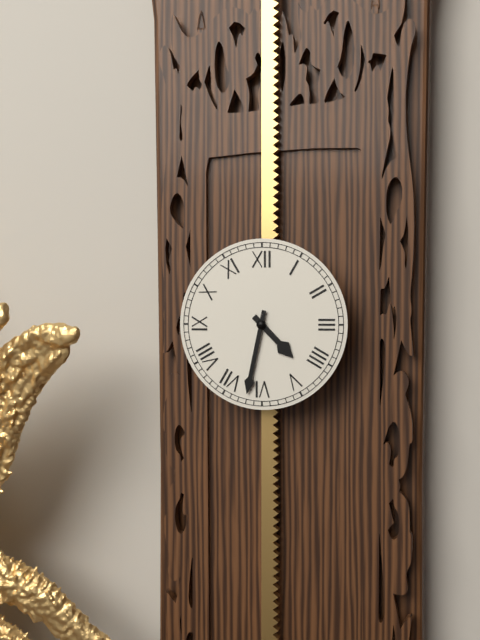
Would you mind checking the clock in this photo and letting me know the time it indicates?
4:32
